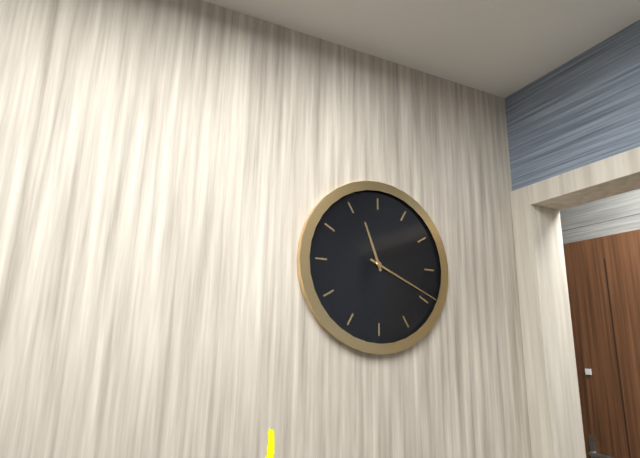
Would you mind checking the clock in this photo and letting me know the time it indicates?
11:19
